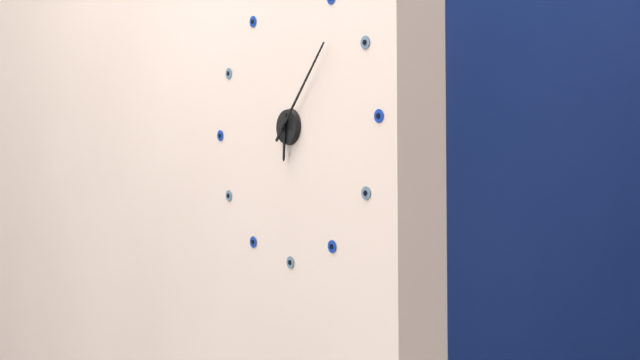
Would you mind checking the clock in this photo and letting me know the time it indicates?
6:07
